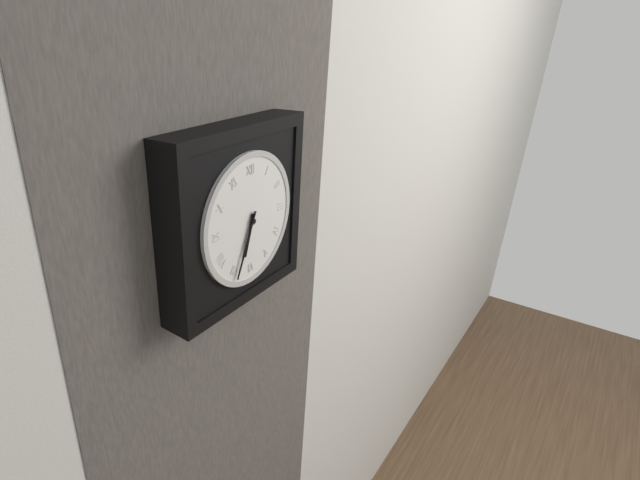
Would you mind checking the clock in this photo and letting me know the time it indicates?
6:34
